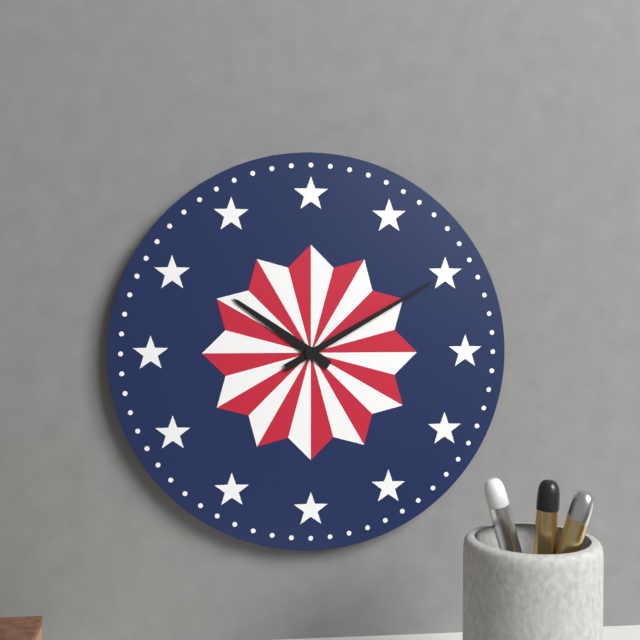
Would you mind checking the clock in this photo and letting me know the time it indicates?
10:10
